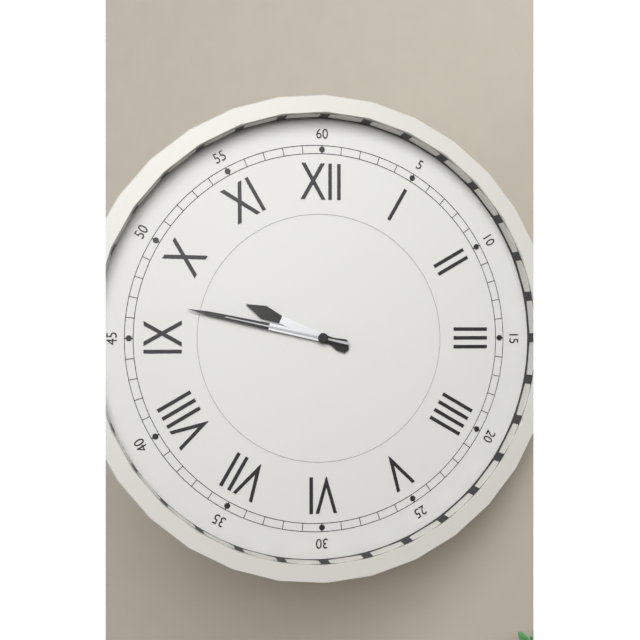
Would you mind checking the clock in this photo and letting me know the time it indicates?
9:47:47
